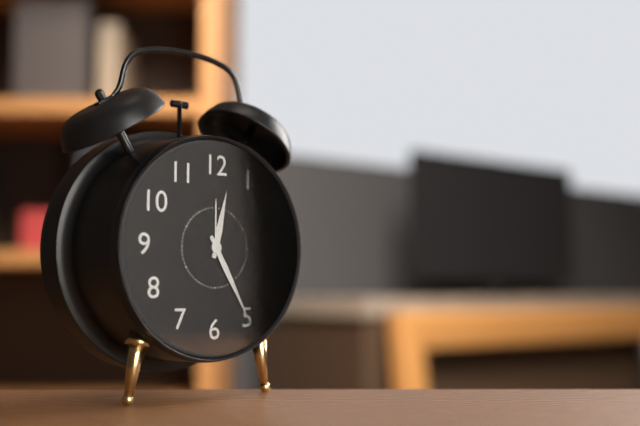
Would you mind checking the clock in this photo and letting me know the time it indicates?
12:25
